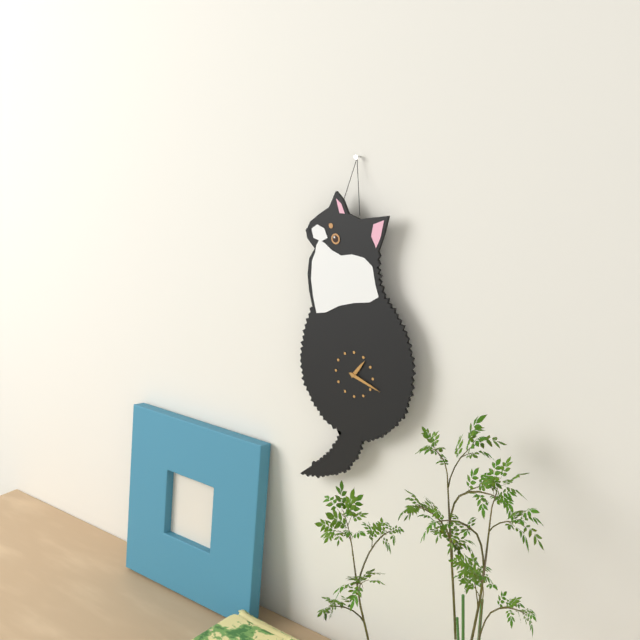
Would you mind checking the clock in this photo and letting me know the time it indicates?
1:18
